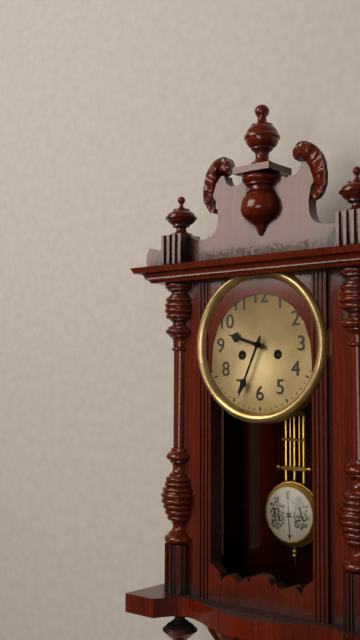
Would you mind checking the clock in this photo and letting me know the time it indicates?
9:34
